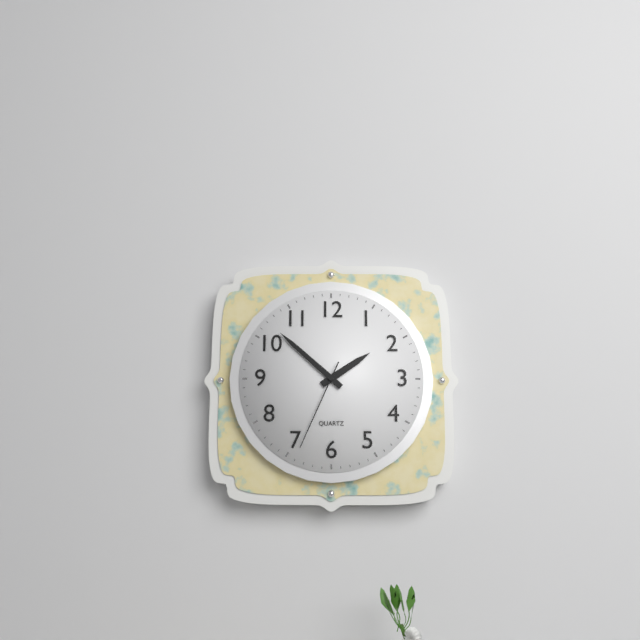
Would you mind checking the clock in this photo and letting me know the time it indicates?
1:52:34
